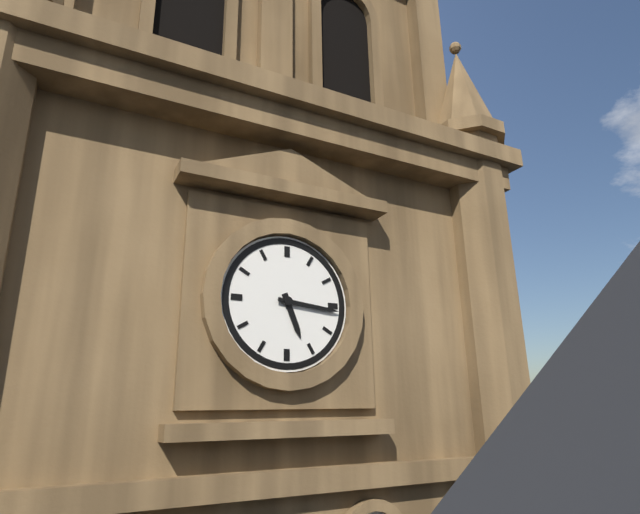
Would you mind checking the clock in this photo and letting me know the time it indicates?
5:16
